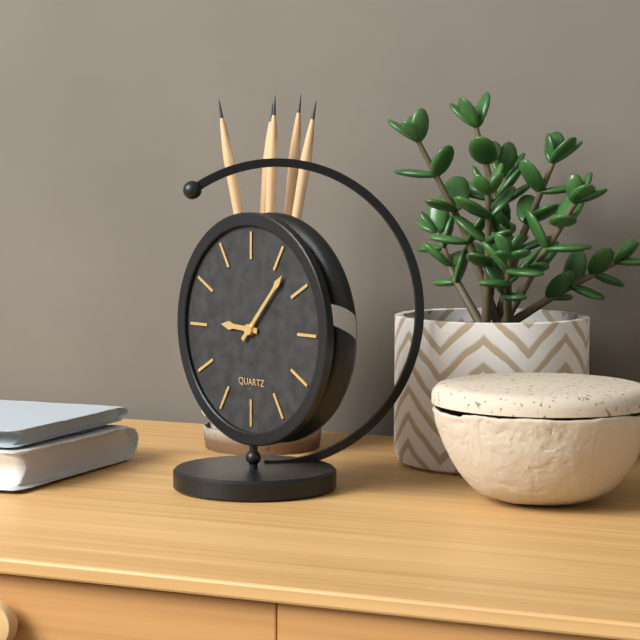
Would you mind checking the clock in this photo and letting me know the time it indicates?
9:07
